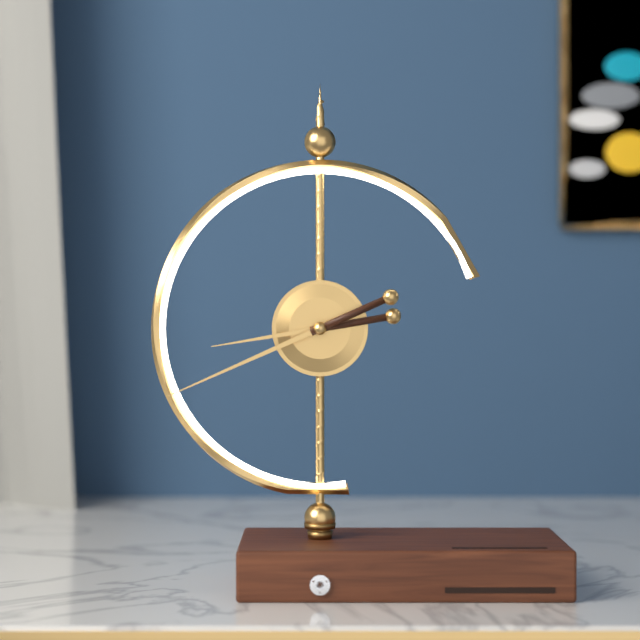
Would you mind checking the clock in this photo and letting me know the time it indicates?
8:41
